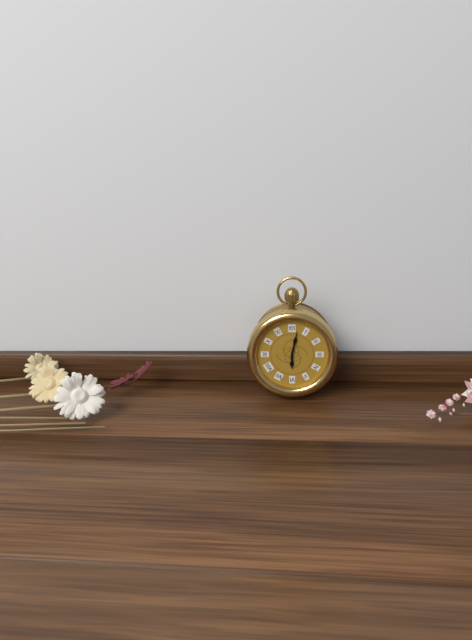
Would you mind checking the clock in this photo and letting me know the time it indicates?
6:02
